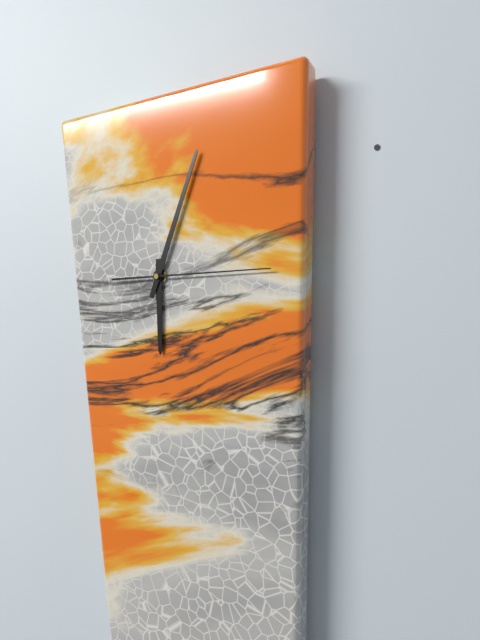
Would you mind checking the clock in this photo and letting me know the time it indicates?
6:04:15
